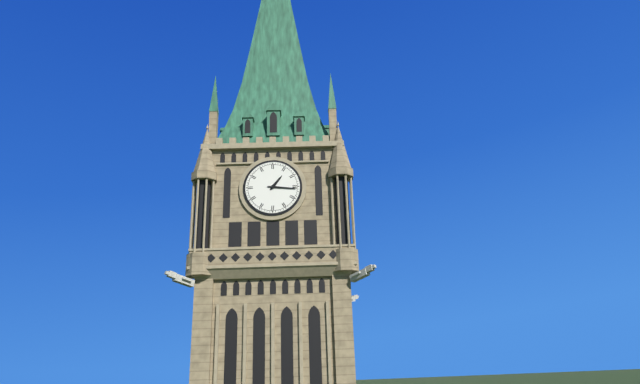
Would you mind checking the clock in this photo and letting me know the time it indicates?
1:16
